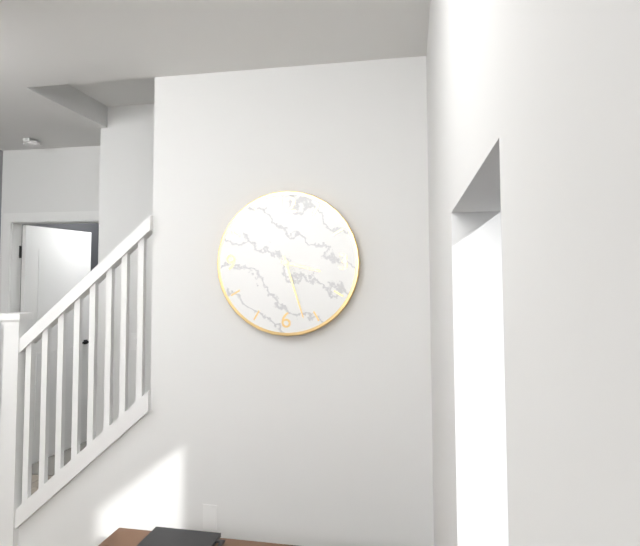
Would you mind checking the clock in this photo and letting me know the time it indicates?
3:27
